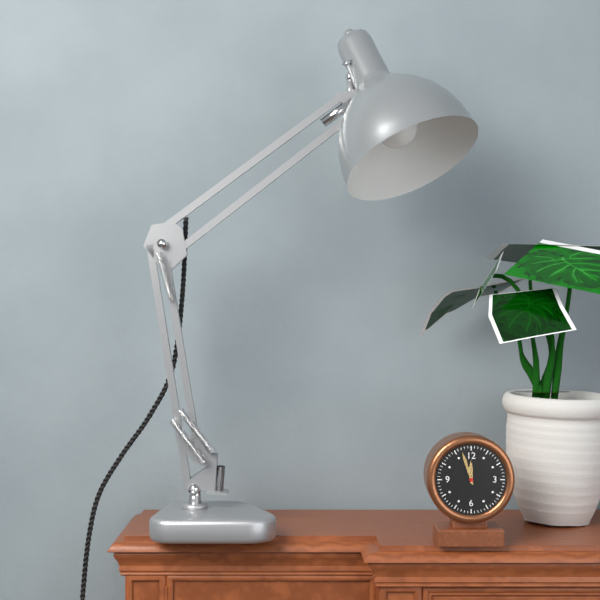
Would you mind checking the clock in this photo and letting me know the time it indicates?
11:57
